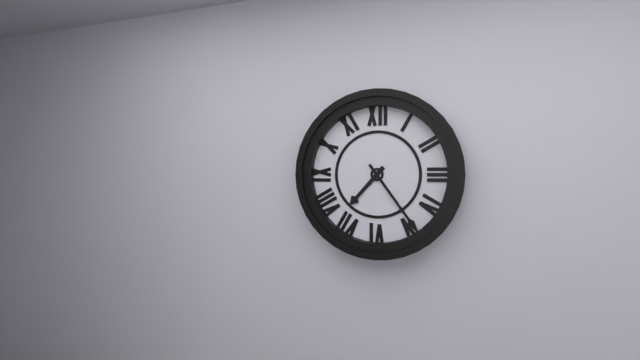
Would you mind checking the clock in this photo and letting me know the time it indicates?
7:24
